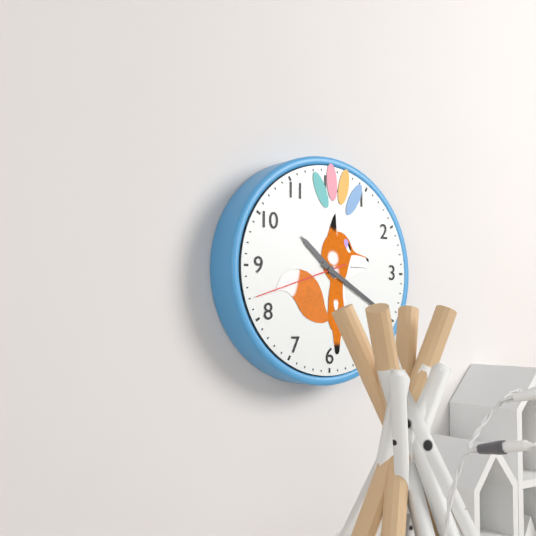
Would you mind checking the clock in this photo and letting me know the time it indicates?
10:20:42
